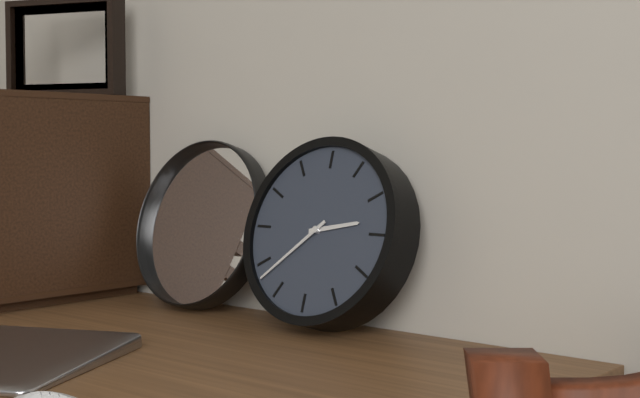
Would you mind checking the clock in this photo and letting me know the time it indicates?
2:38
